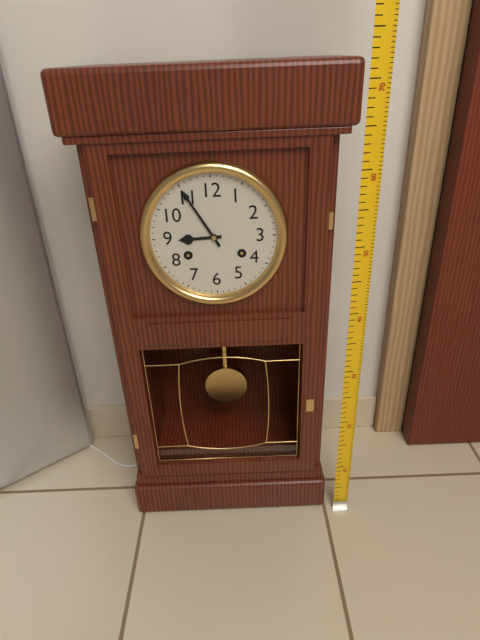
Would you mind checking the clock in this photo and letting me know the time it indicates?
8:55
